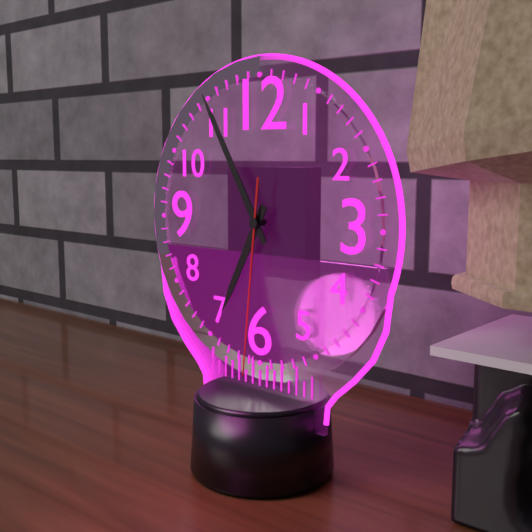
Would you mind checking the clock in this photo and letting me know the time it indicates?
6:55:31
